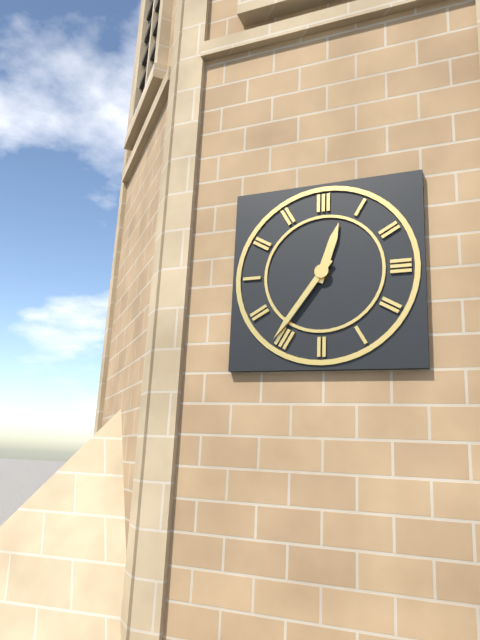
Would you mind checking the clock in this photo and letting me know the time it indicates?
12:36
